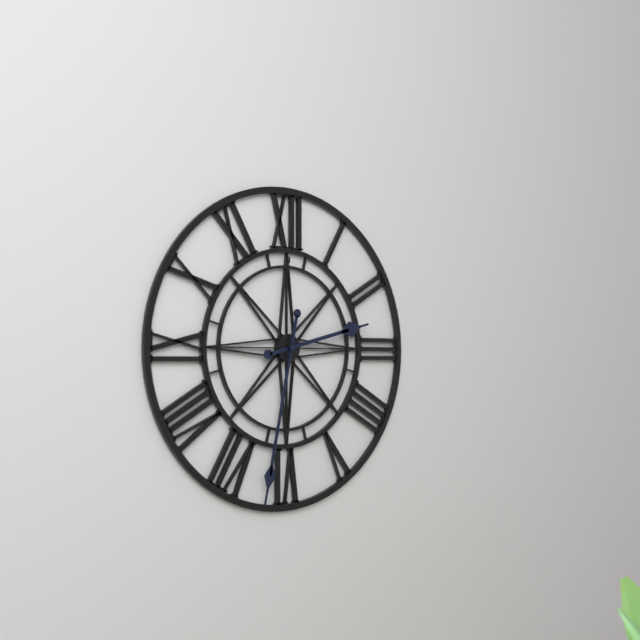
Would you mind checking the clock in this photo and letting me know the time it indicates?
2:32
